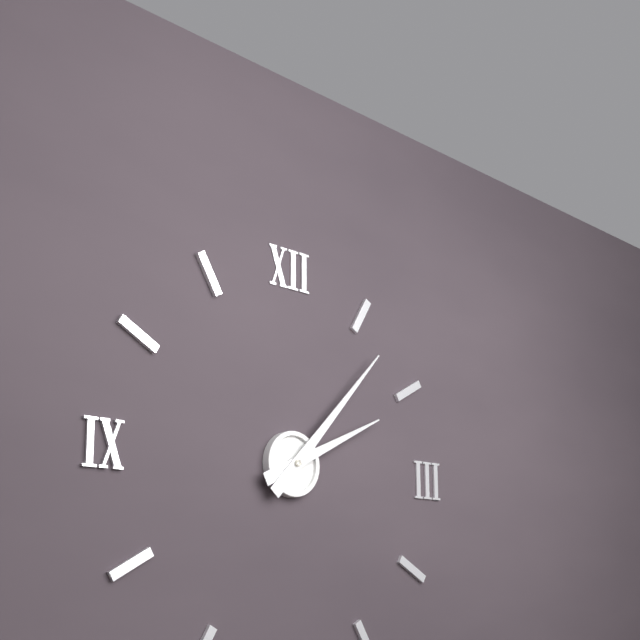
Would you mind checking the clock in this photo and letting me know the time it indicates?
2:07
